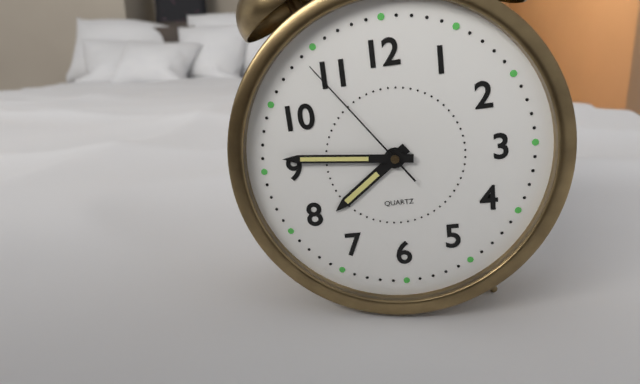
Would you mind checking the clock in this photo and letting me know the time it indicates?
7:46:54
